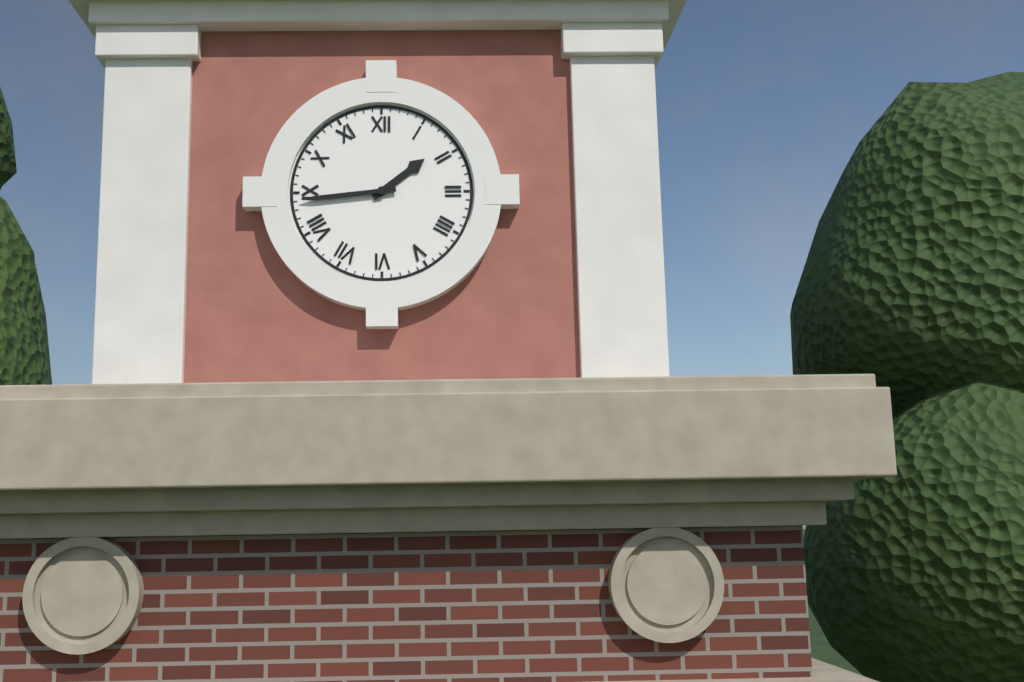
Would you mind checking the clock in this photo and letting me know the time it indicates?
1:44
